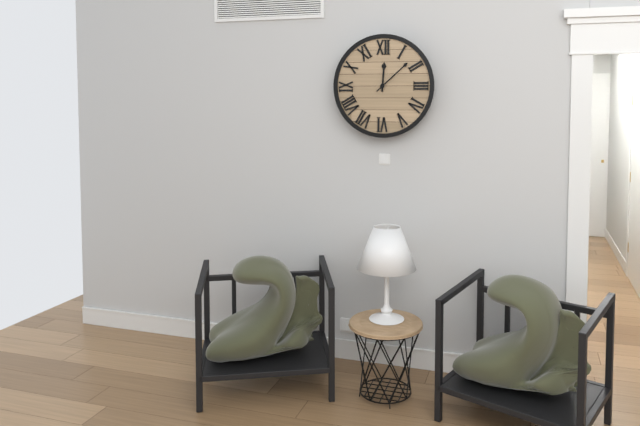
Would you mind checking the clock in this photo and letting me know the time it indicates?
12:08
